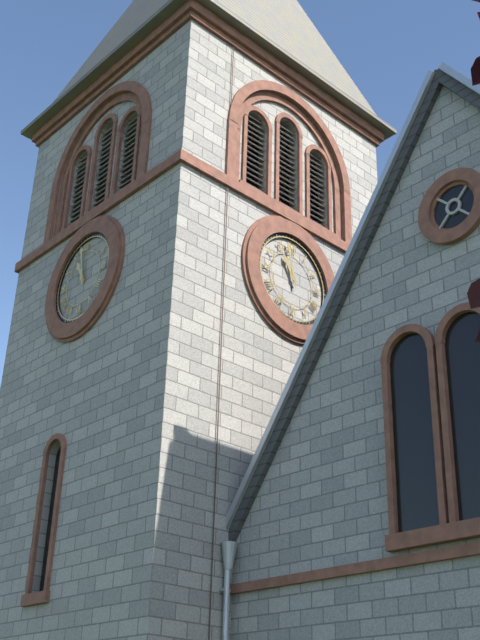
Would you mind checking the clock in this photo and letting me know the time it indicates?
10:58
